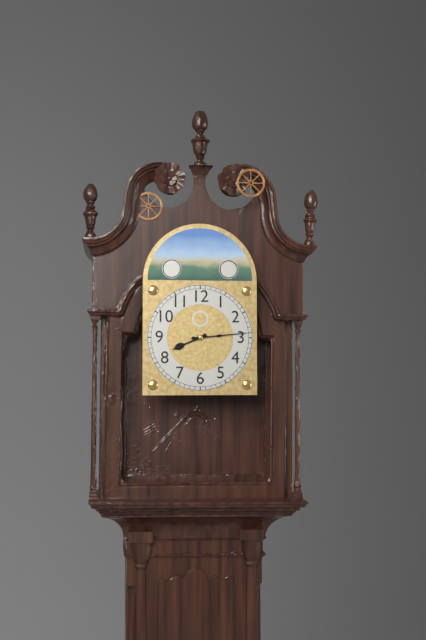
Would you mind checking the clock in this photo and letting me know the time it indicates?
8:14
